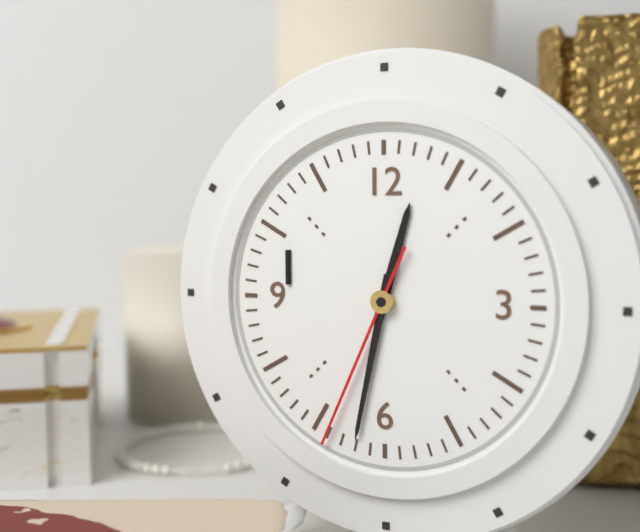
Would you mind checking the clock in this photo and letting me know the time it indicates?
12:32:34
